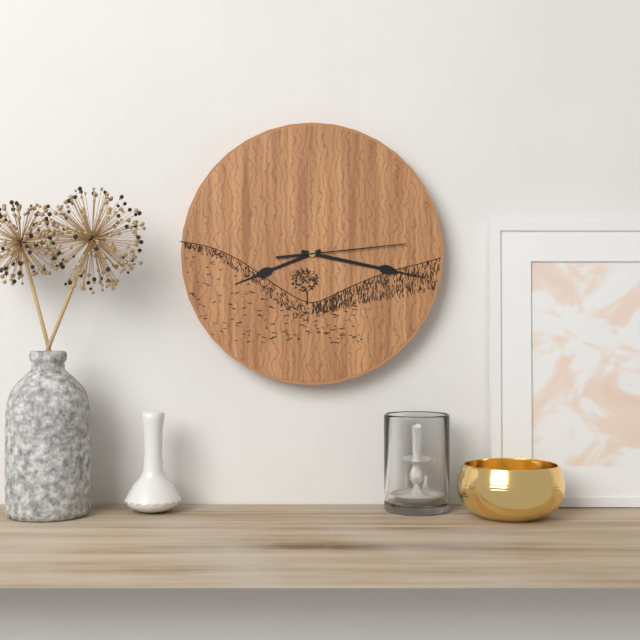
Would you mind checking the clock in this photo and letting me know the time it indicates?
8:17:14
